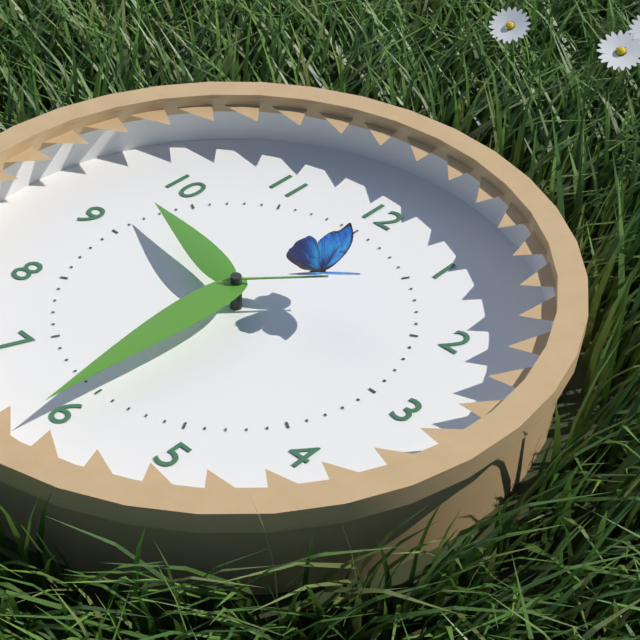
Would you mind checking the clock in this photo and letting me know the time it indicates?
9:30:07
